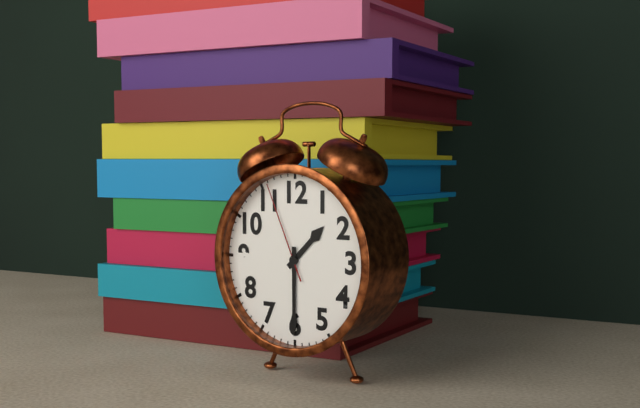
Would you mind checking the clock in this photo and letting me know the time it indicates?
1:30:56
